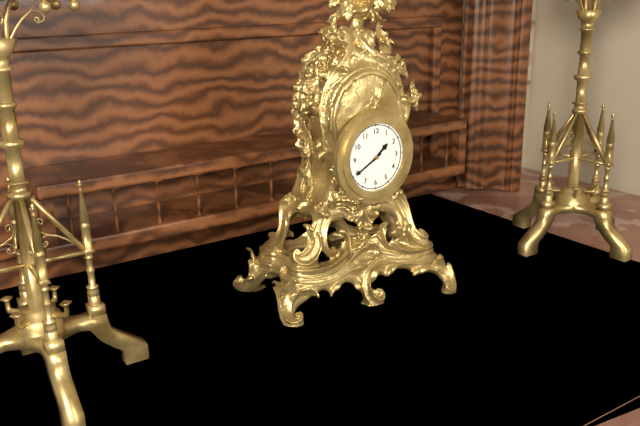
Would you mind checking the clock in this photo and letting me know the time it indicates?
1:40
